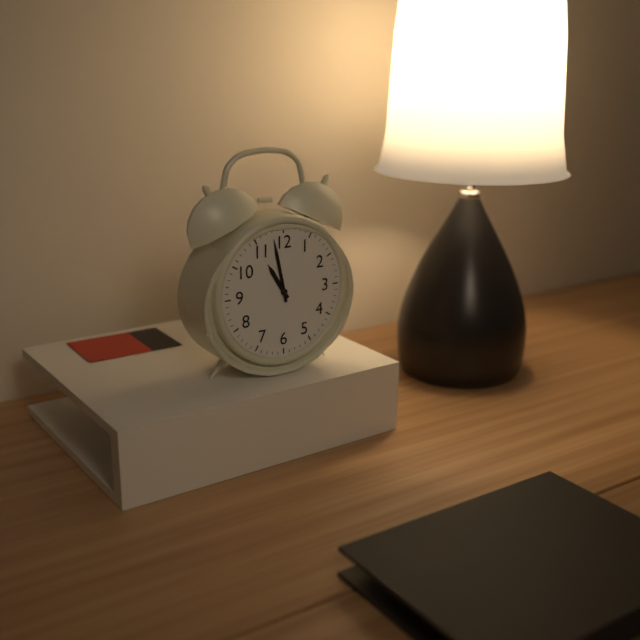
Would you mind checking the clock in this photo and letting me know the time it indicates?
10:58
